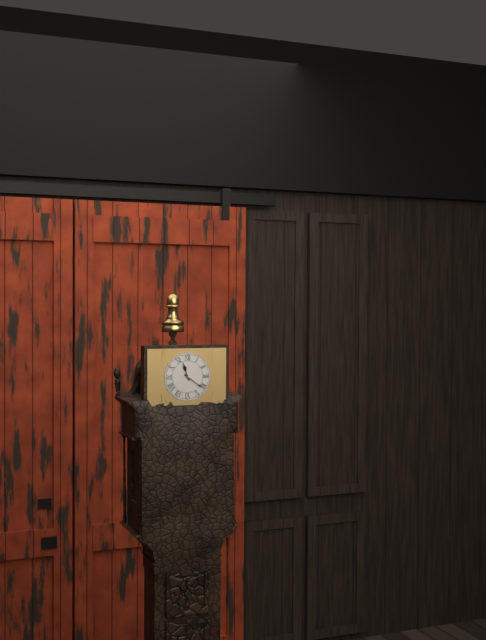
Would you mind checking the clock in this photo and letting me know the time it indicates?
11:21
